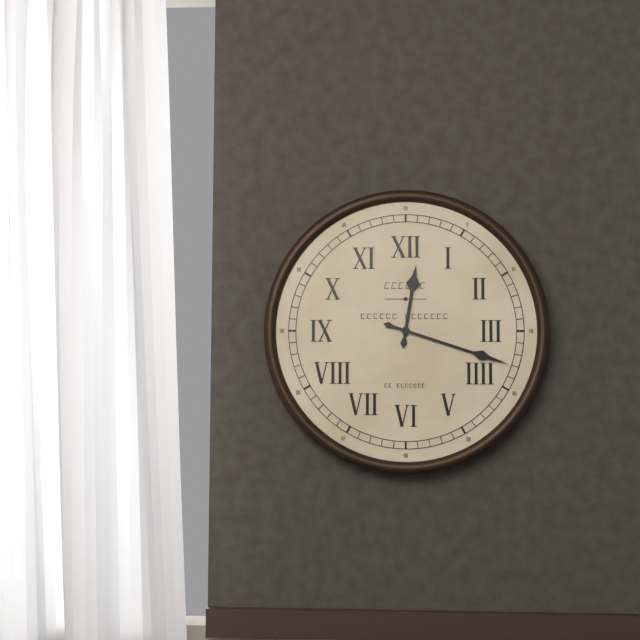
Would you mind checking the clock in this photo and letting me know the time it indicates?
12:18
